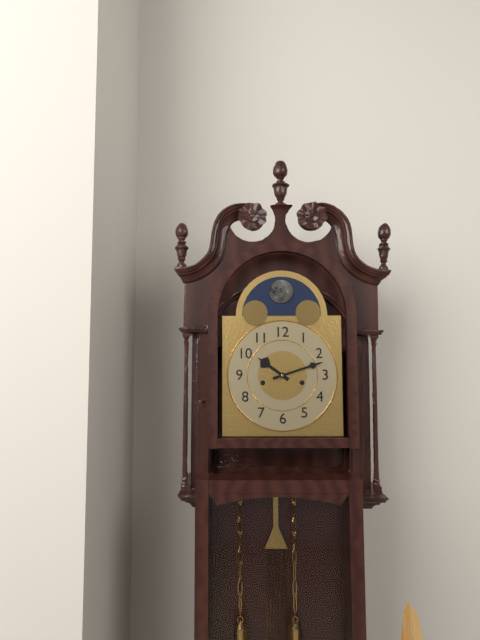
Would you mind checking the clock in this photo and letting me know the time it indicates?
10:12
